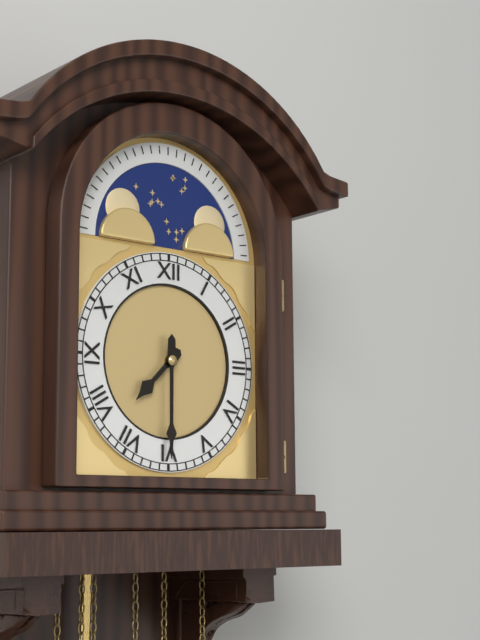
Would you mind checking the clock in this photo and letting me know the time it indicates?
7:30
